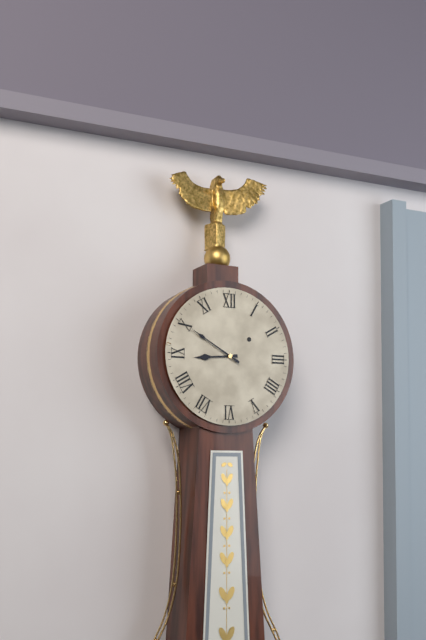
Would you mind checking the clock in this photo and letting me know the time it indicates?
8:50
